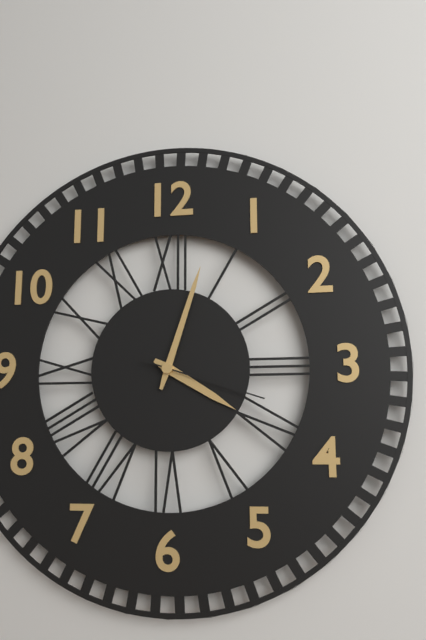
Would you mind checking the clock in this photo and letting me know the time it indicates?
4:03:18
